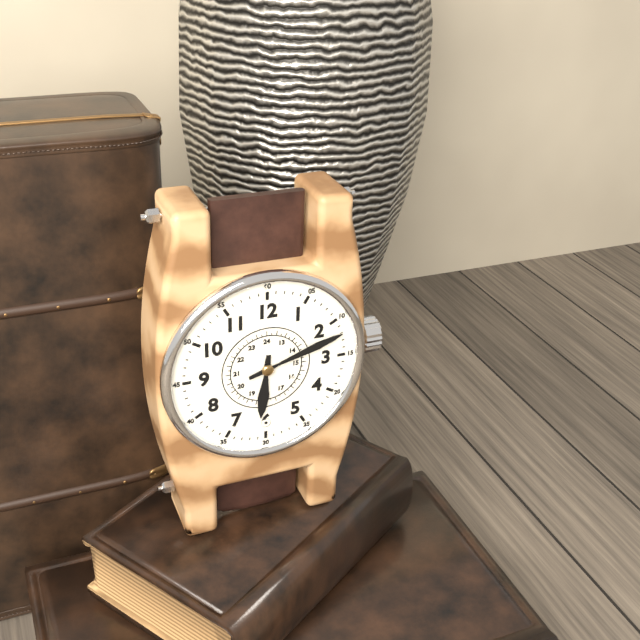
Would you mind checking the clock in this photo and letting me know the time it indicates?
6:12
